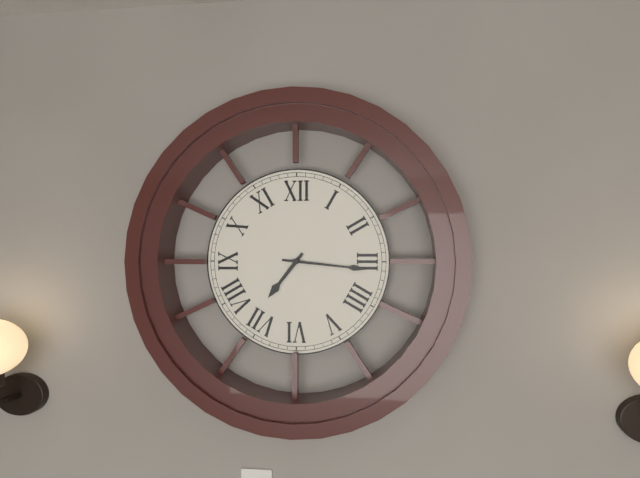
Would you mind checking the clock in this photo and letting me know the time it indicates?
7:16
